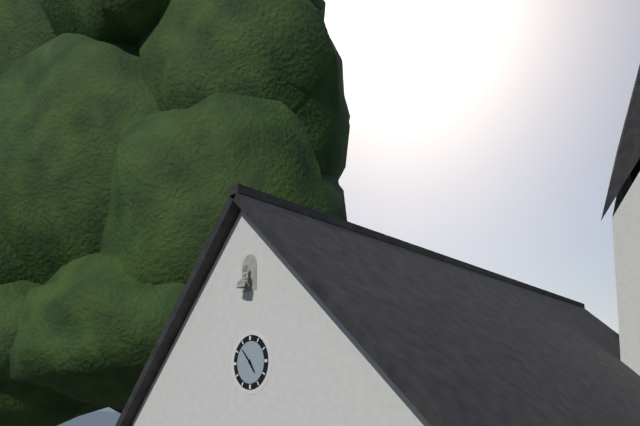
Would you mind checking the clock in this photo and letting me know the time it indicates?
4:53
